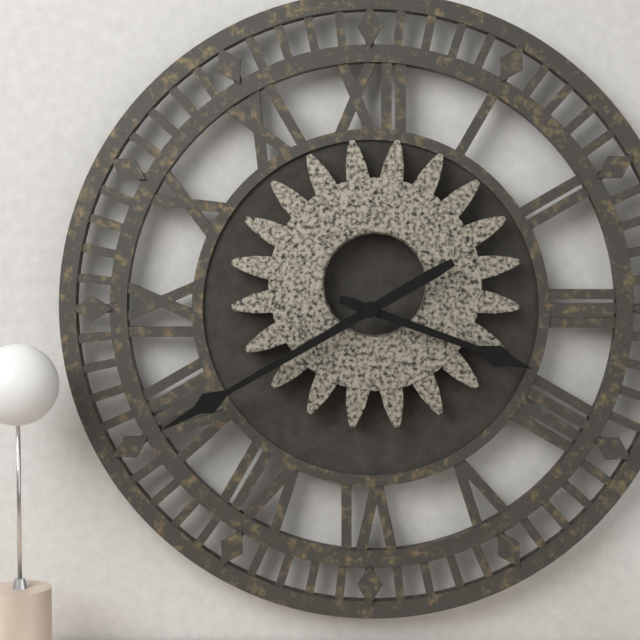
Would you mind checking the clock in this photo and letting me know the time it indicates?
3:40
